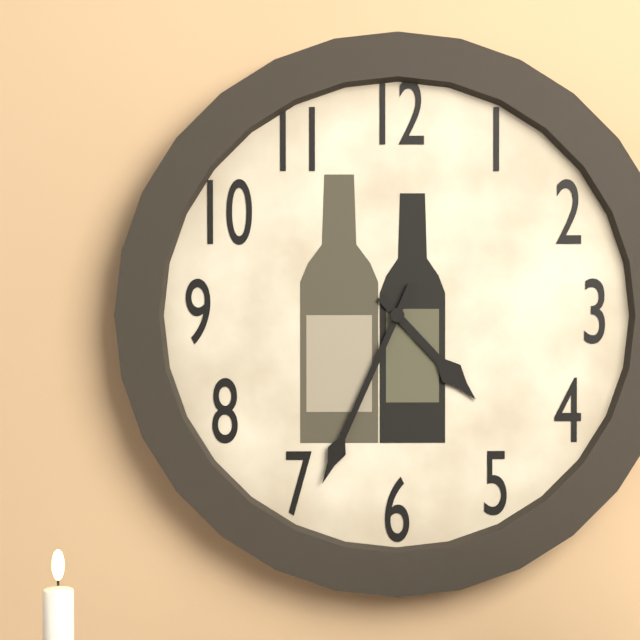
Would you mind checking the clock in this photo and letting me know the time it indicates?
4:34
